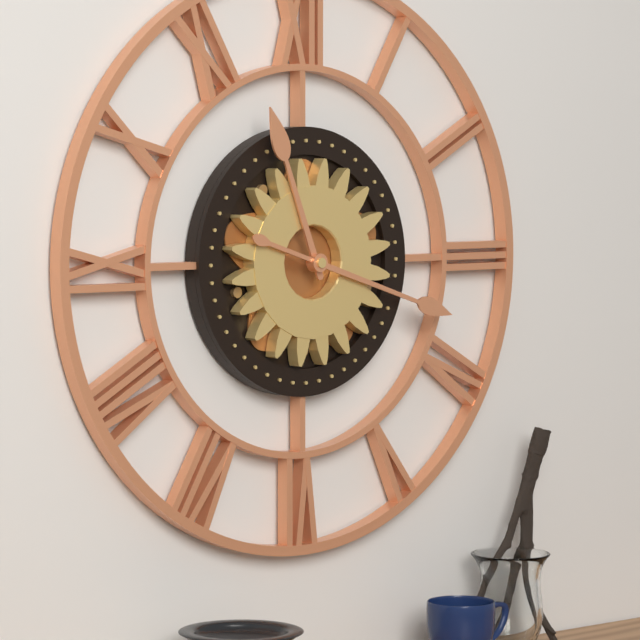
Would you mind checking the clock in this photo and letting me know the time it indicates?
11:18
